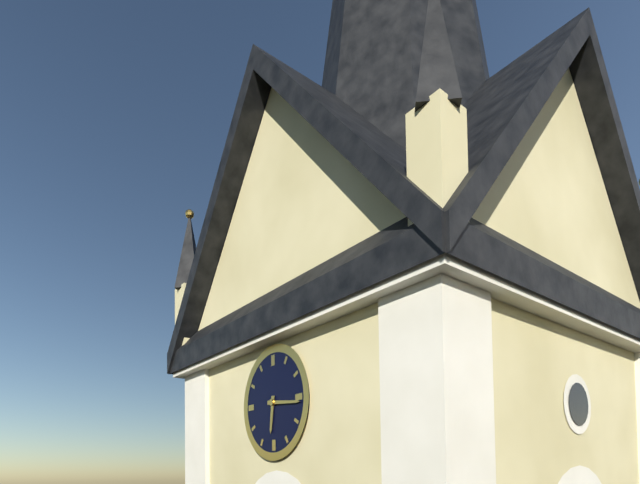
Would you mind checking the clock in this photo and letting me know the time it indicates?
6:16
